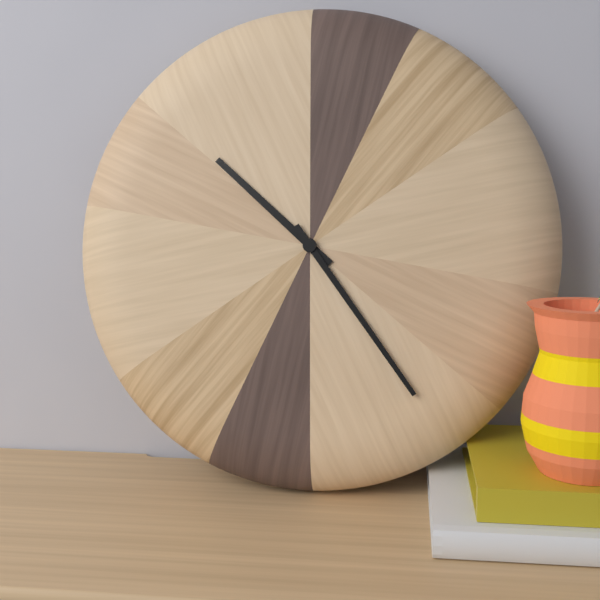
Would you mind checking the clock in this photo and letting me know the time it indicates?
10:24
